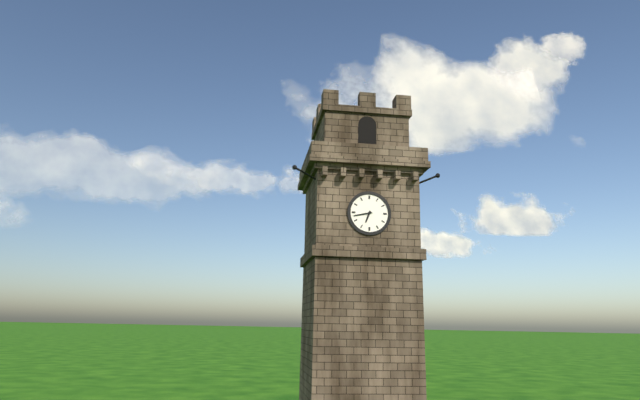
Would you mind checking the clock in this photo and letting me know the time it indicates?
6:43
